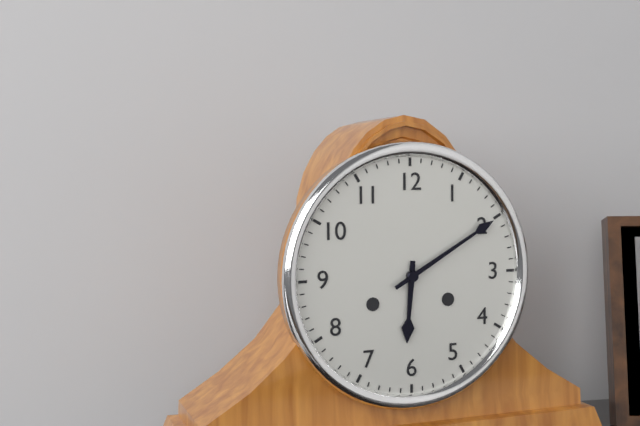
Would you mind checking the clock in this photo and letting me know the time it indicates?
6:10
